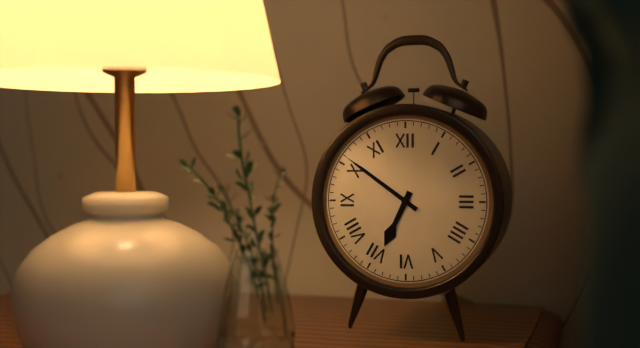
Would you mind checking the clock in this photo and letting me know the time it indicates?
6:51
